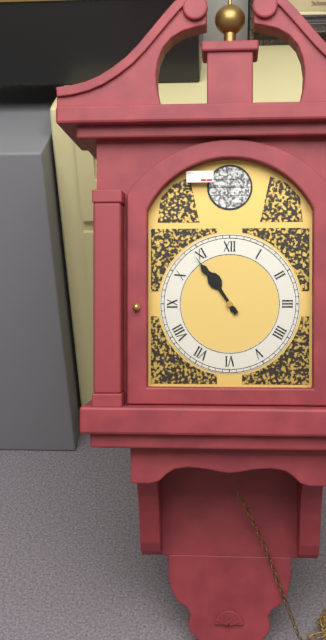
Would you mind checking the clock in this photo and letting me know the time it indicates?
10:54
